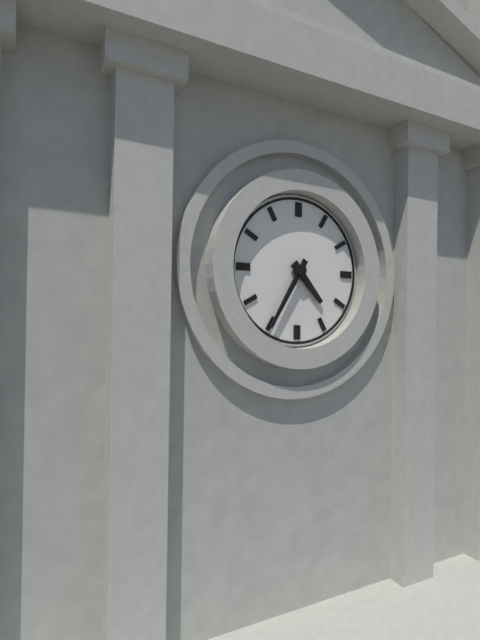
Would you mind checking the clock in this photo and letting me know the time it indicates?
4:35
